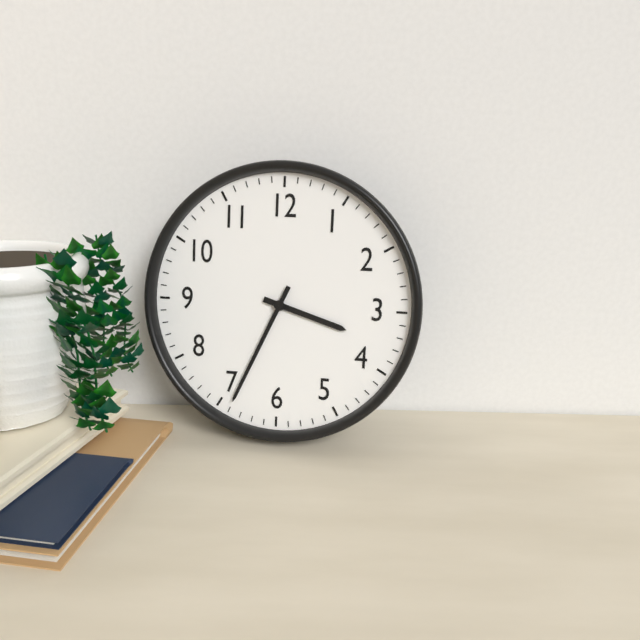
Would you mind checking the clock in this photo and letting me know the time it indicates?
3:34
